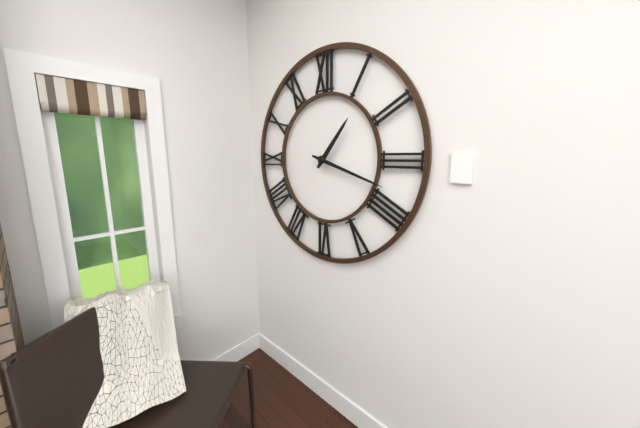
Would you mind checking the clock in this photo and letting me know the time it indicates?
1:18
